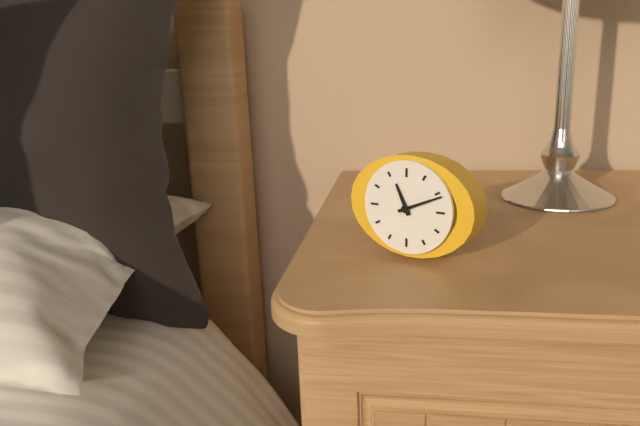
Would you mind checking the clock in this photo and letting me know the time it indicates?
11:11
